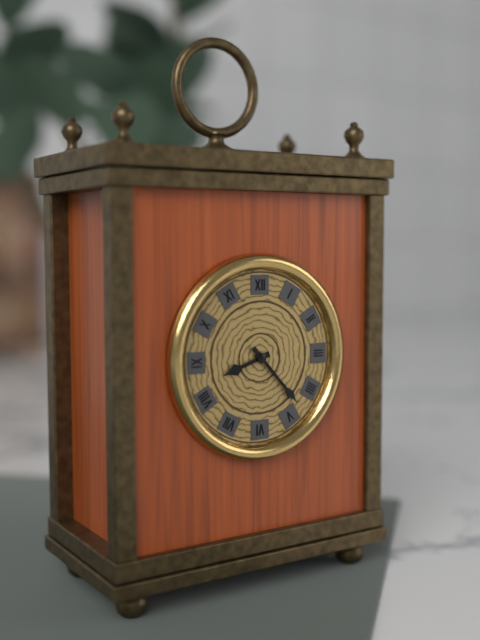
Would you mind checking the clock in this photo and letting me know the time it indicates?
8:23
